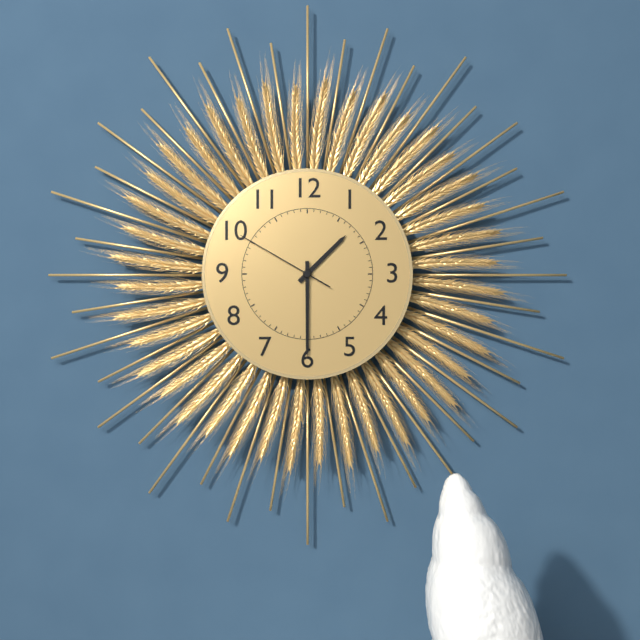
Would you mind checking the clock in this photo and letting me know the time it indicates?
1:30:50
